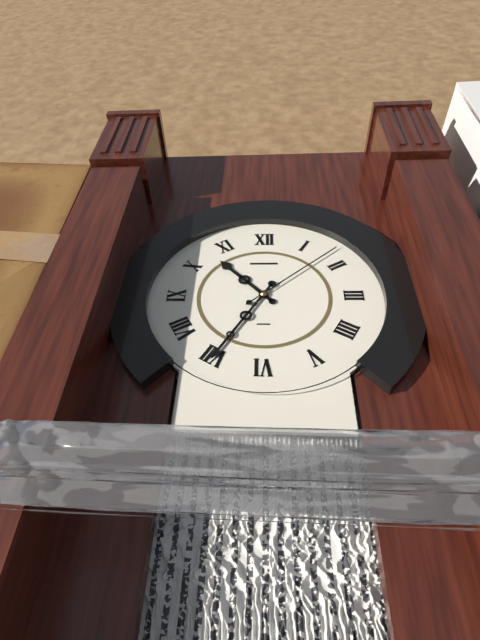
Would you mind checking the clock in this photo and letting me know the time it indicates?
10:35:08
